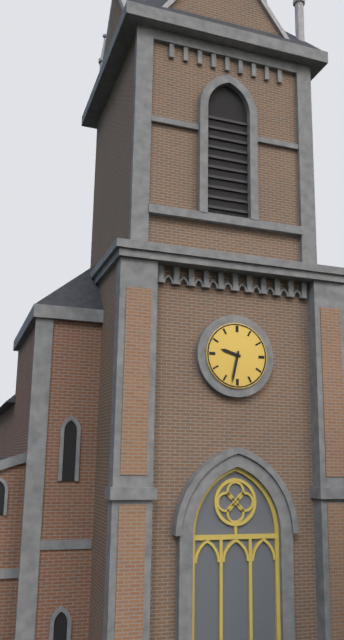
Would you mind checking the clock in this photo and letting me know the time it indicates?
9:32
